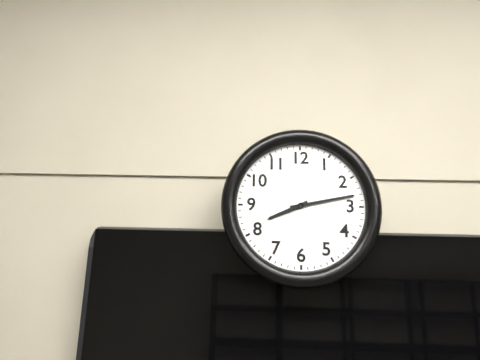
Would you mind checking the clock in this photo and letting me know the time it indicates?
8:13
